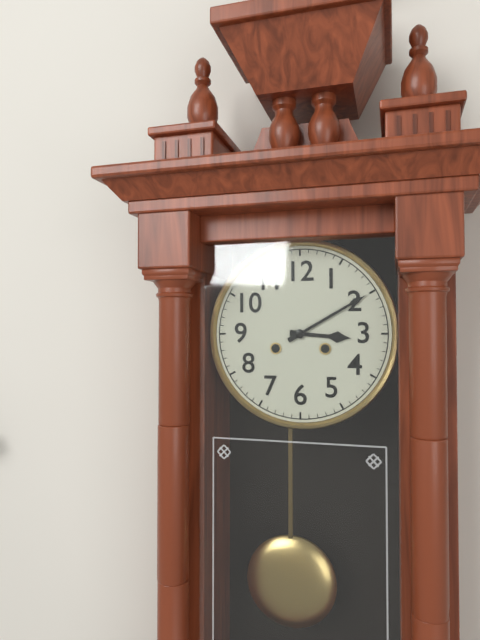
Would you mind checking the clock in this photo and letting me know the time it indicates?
3:10
